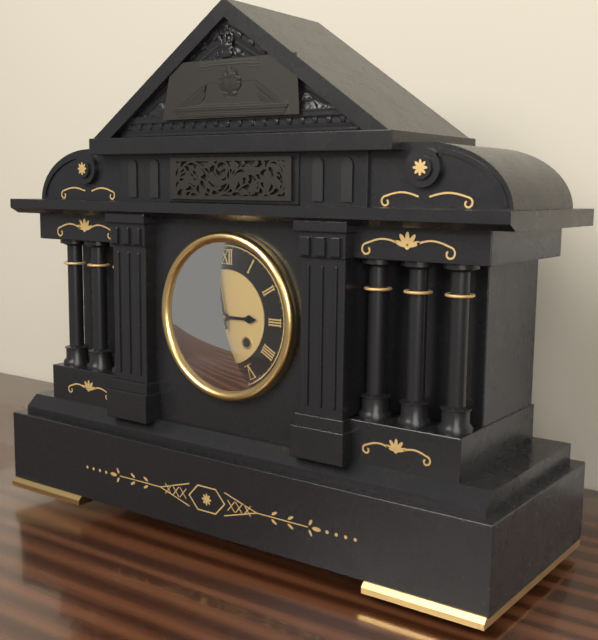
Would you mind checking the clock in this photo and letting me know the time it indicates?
2:58
